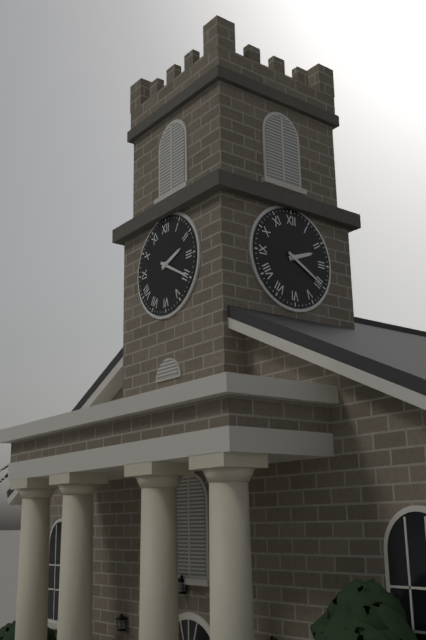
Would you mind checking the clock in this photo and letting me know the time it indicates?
2:20
